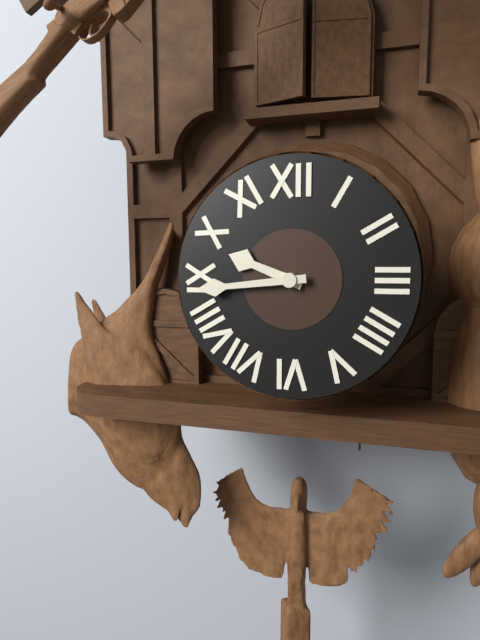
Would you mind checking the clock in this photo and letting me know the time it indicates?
9:44
